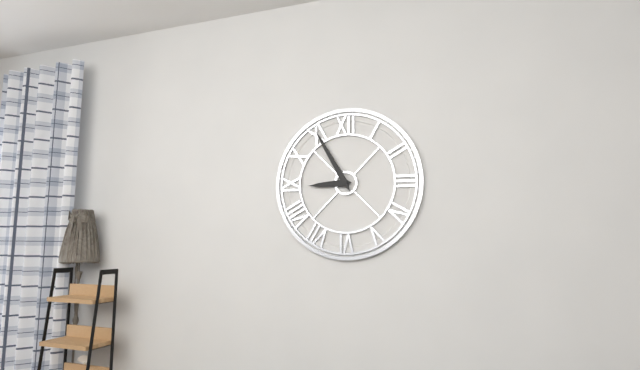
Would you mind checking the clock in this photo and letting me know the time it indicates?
8:55
